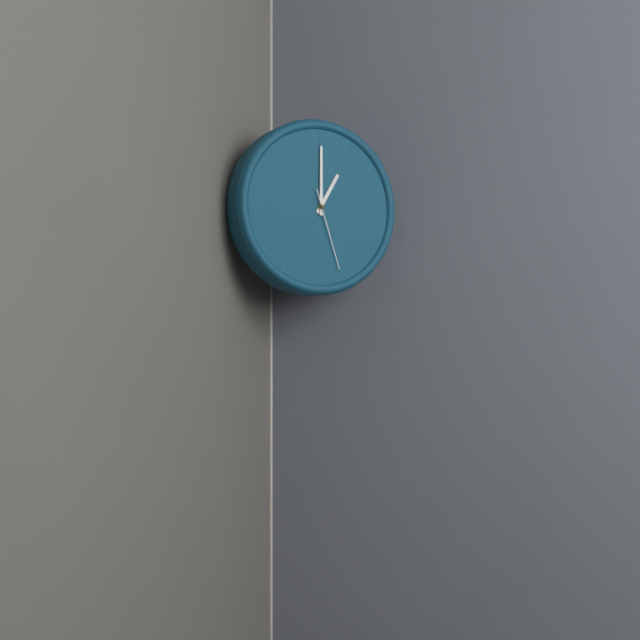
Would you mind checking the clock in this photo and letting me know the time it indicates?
1:00:27
